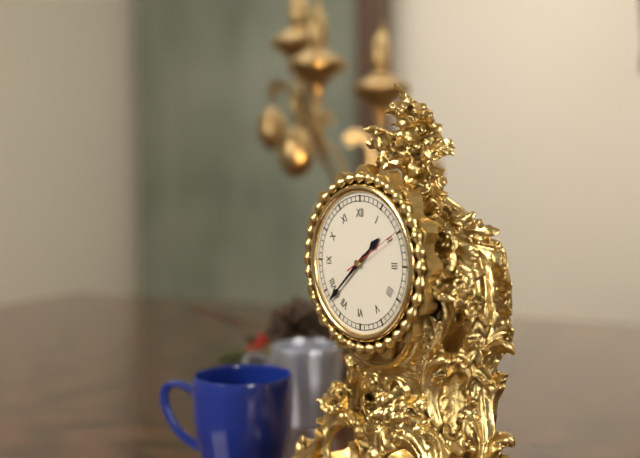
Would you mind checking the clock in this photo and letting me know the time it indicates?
1:38:10
